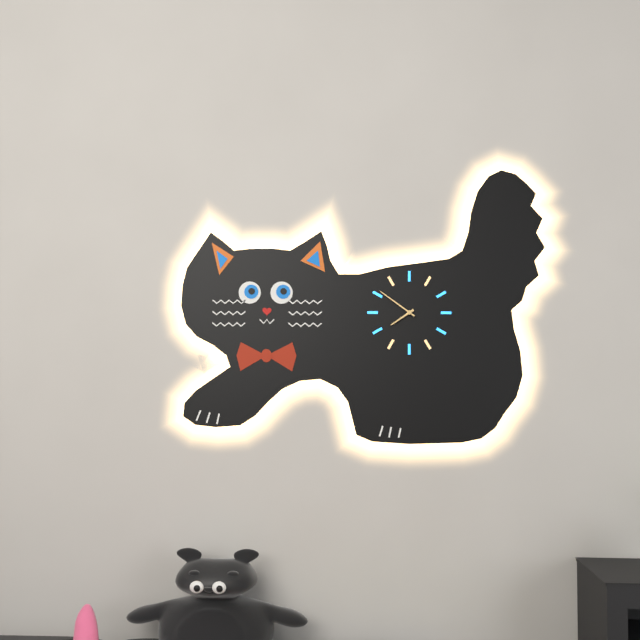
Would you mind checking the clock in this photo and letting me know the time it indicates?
7:51
